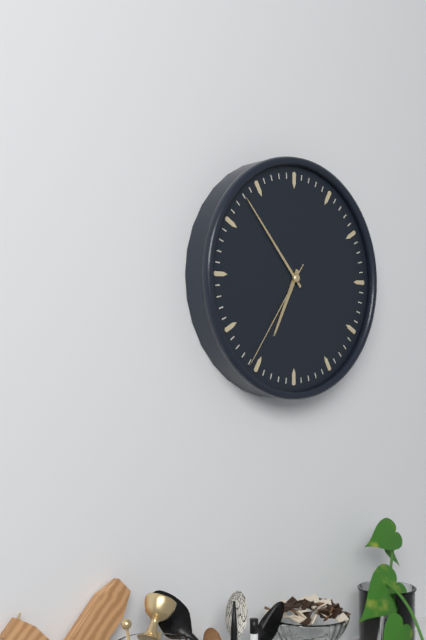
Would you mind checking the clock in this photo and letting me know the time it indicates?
6:53:36
